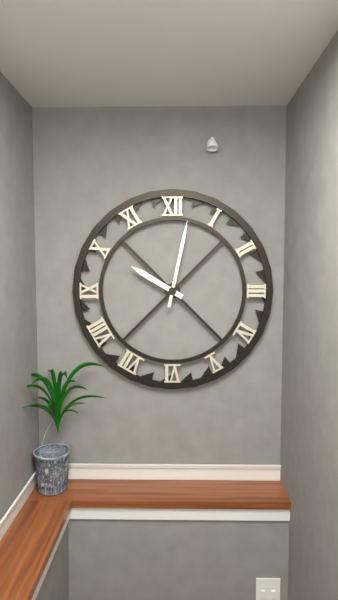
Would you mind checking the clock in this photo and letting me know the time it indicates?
10:02
